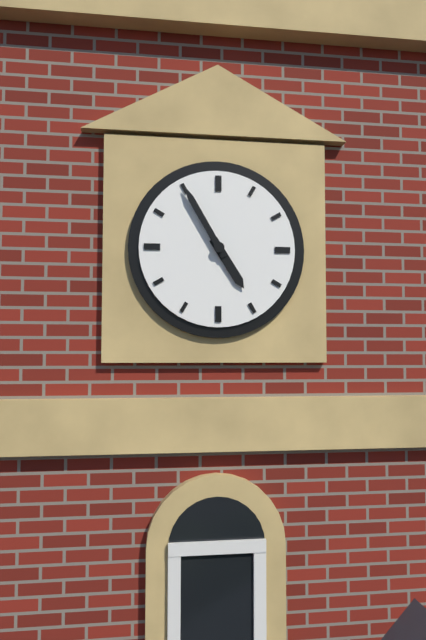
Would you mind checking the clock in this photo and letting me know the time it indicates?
4:55
